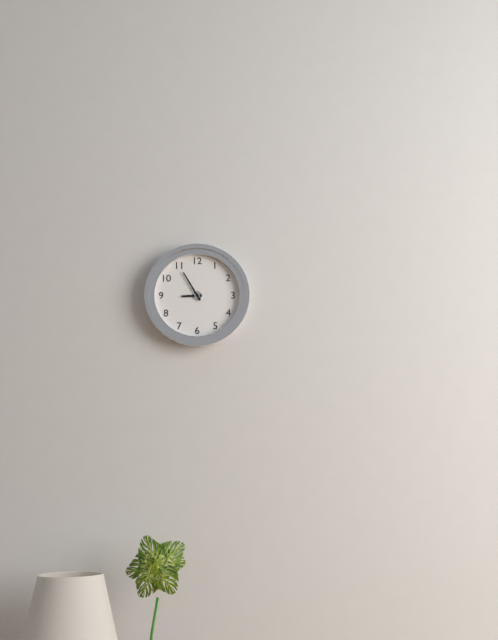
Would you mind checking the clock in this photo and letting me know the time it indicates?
8:55
